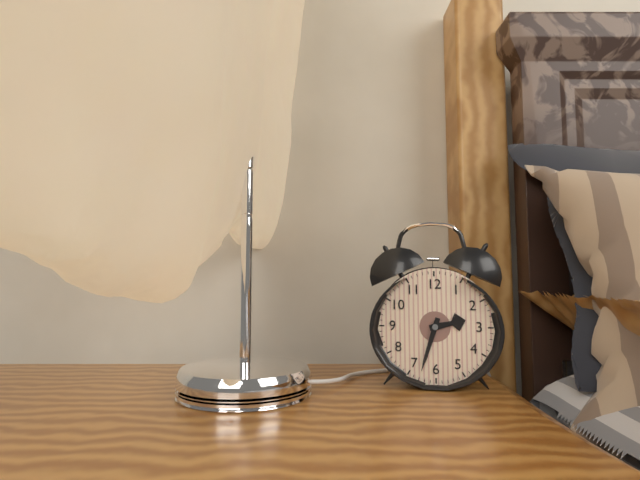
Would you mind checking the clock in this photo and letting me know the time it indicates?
2:33
